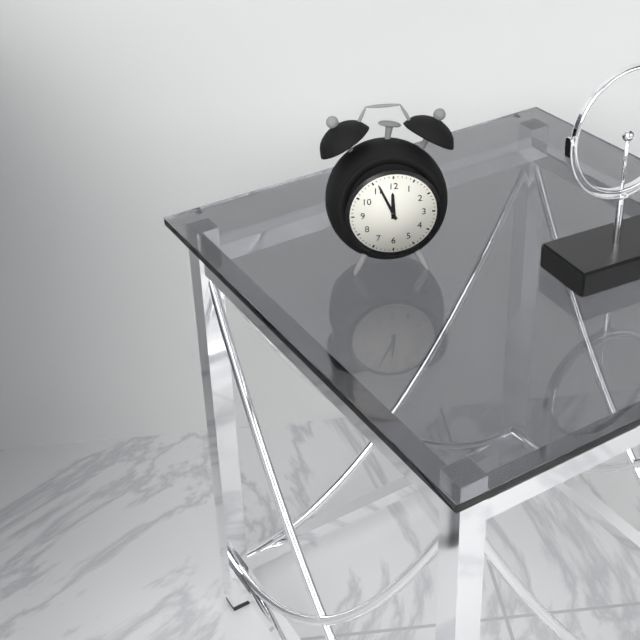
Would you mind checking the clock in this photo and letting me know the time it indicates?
11:56
